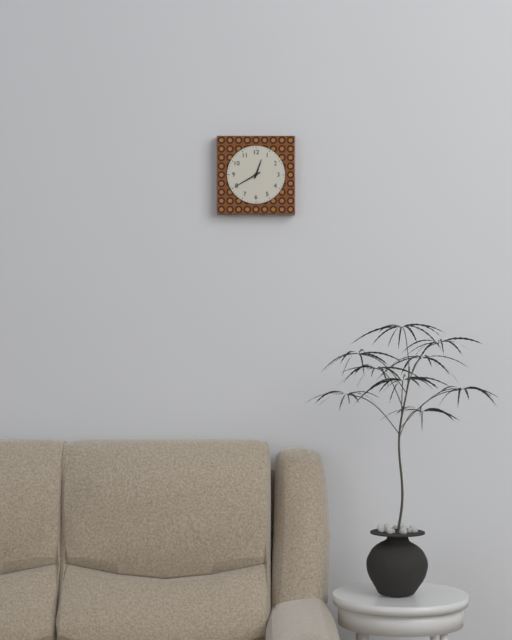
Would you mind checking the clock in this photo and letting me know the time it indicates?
12:40
